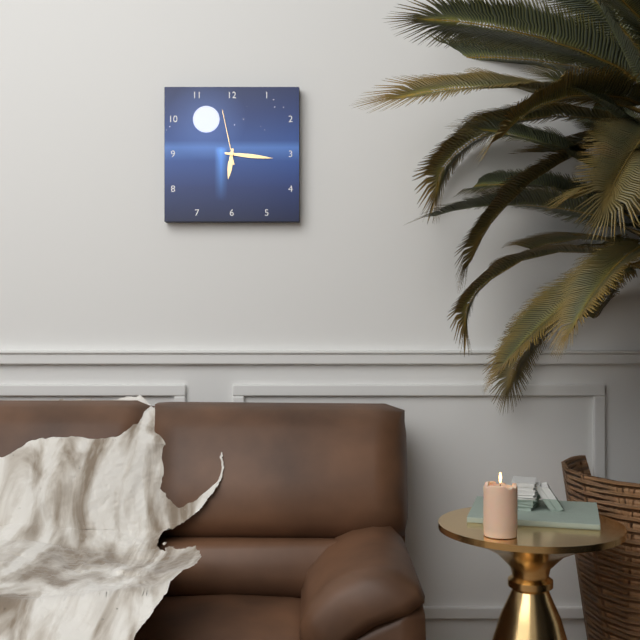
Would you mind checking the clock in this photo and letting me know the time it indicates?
6:16:58
